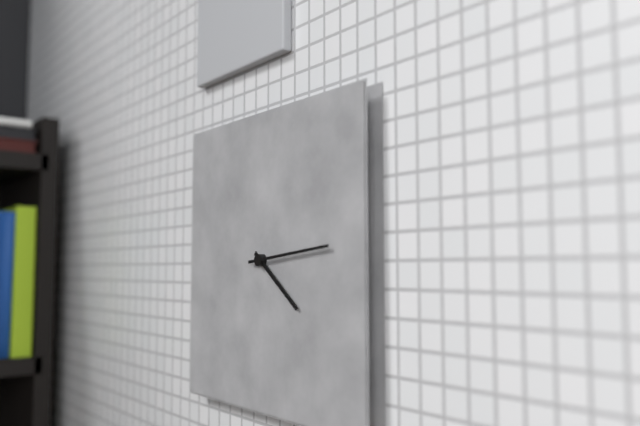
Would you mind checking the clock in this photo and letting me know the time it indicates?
4:14
